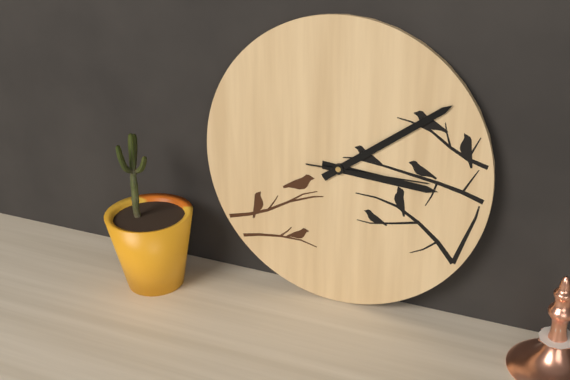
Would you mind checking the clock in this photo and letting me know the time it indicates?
3:09:15
